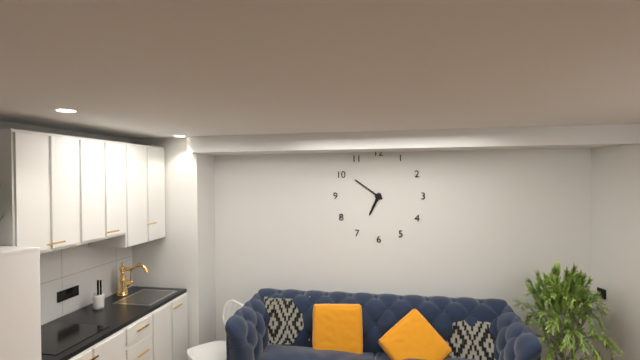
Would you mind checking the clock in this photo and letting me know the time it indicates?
6:51
